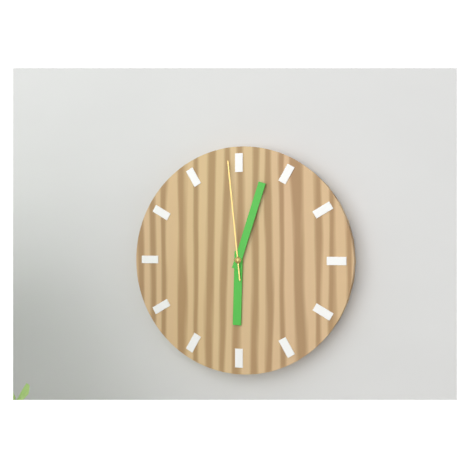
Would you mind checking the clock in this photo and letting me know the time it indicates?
6:03:59
